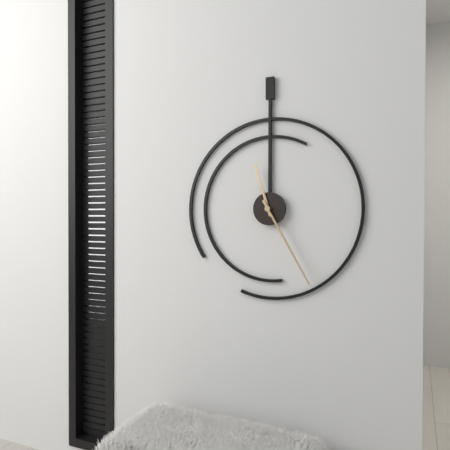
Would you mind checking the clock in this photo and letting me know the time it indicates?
11:25
